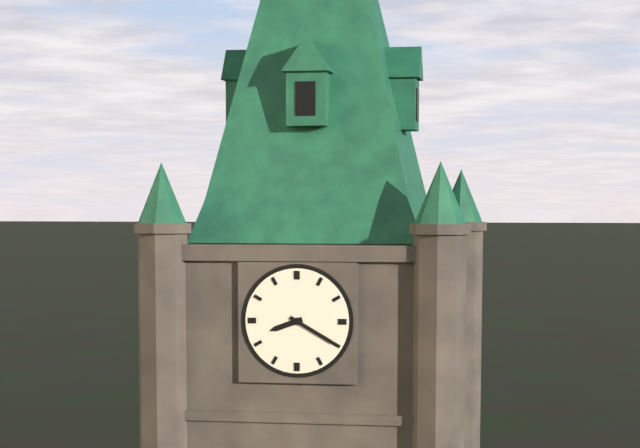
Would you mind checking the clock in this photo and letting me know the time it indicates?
8:20
